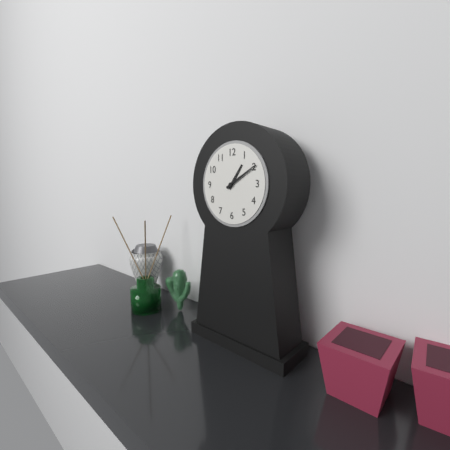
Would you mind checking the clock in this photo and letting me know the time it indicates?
1:10
